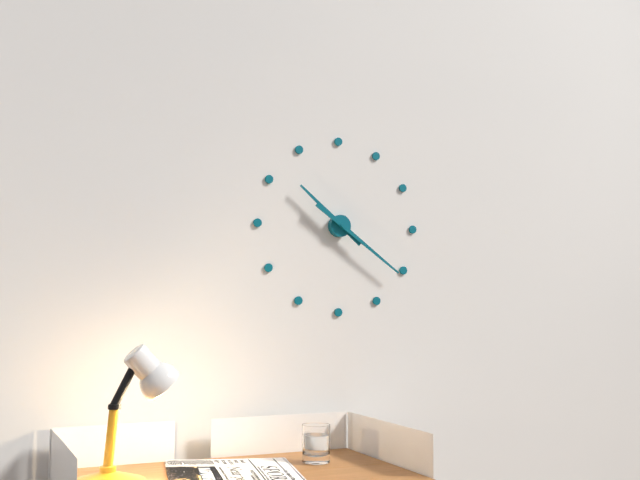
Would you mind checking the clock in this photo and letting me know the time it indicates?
10:21
